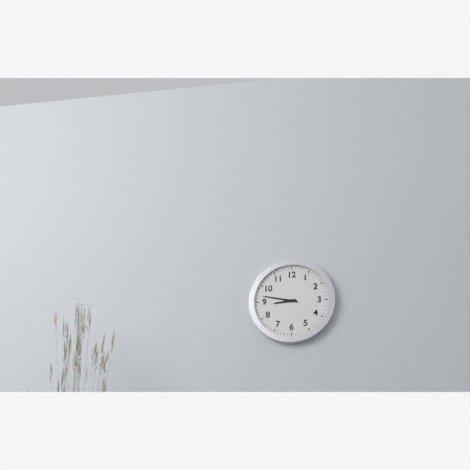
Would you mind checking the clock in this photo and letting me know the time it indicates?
8:47
